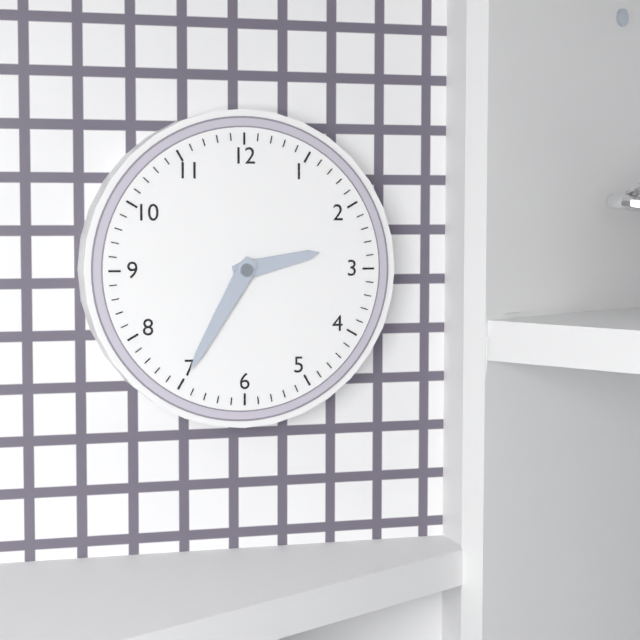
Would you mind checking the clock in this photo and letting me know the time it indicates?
2:35
